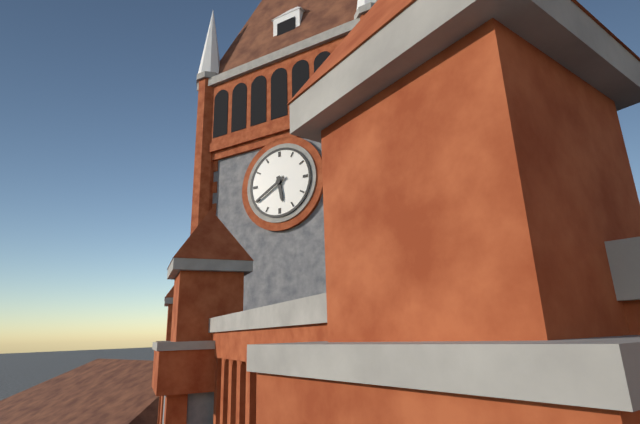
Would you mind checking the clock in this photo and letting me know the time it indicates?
5:40
